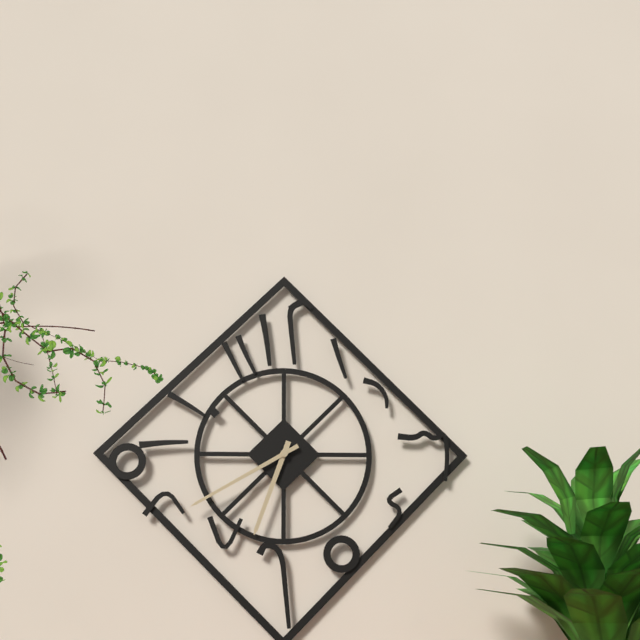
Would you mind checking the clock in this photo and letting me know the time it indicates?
6:40
